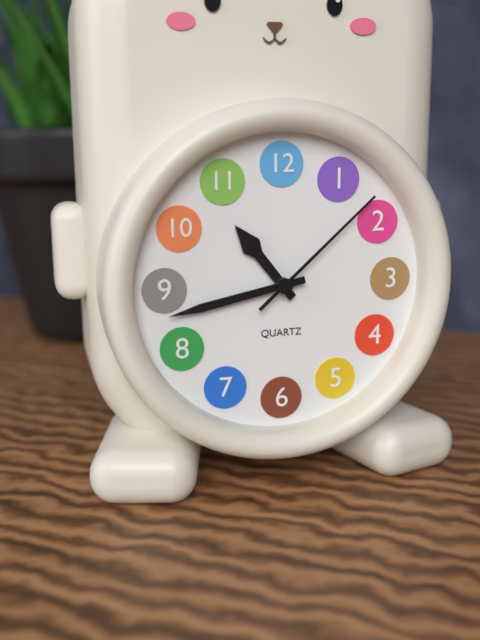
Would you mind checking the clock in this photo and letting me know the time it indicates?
10:43:08
